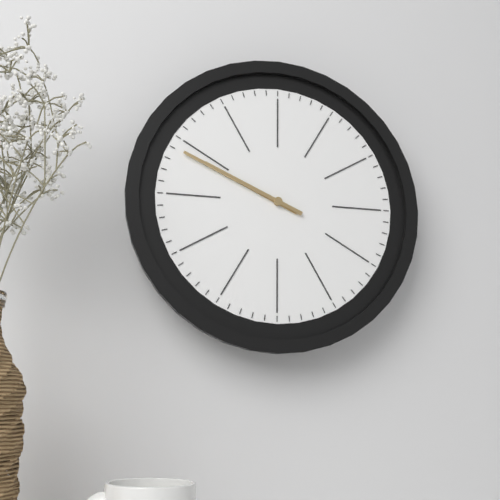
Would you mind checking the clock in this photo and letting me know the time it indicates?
9:49
